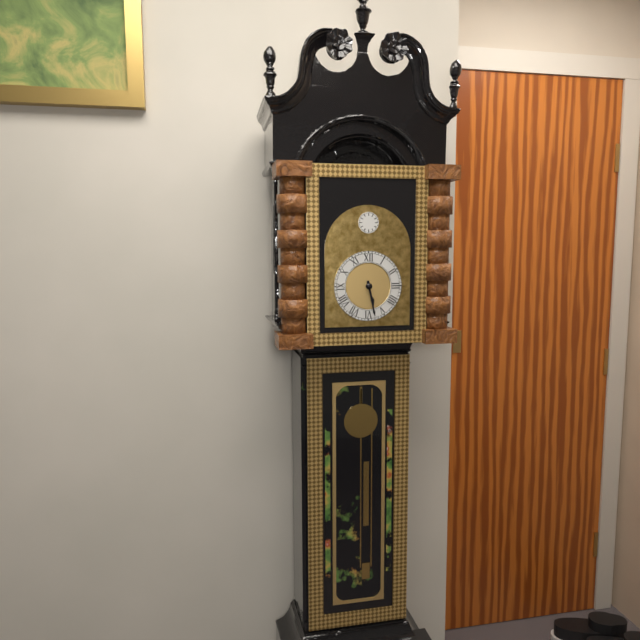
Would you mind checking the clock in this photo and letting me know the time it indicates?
5:28
